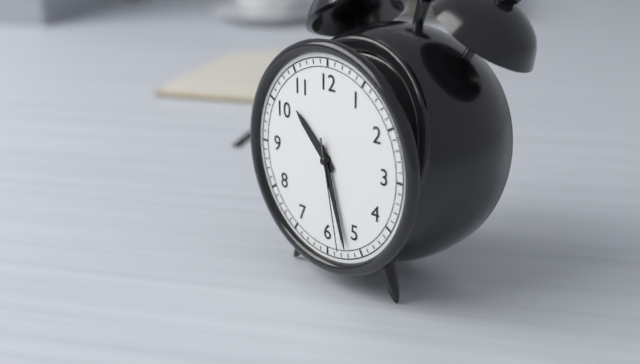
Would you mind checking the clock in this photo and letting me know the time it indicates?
10:27:28
